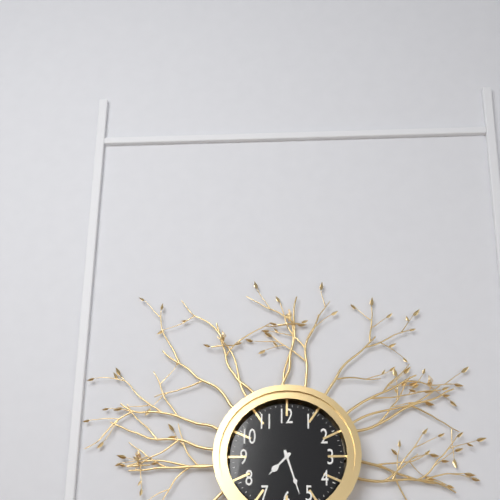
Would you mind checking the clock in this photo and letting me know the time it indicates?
7:27
